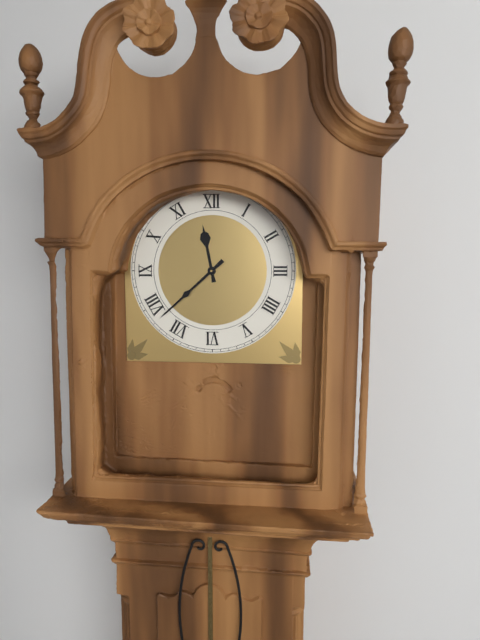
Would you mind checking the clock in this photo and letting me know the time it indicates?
11:38
